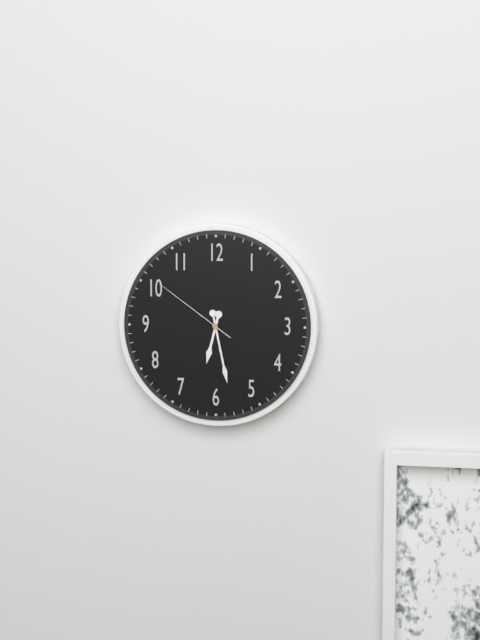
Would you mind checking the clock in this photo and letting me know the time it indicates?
6:28:51
